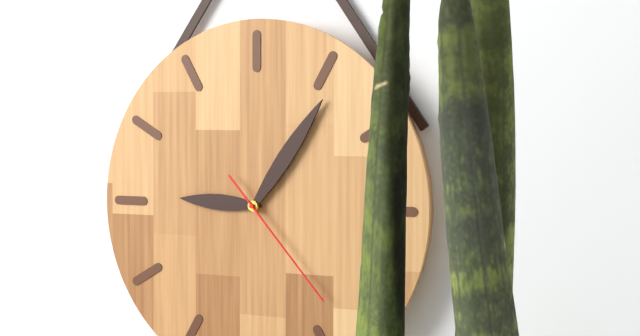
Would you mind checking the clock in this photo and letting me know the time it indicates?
9:06:23
